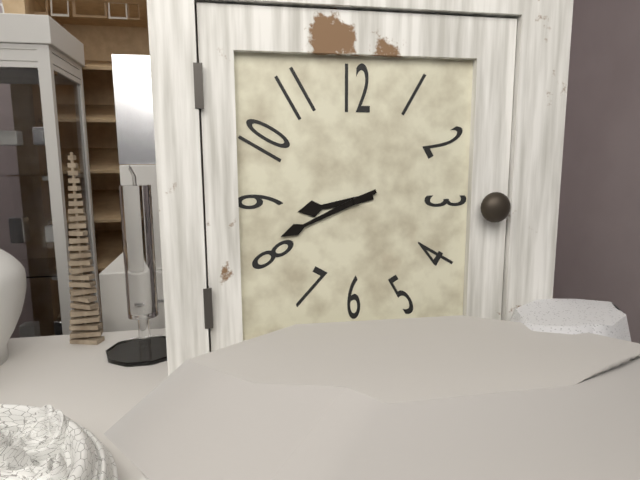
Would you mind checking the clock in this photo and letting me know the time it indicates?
8:41
